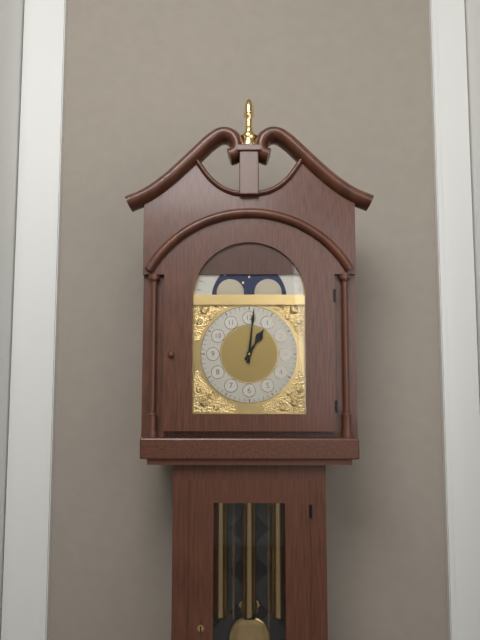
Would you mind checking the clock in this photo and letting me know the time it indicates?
1:01
